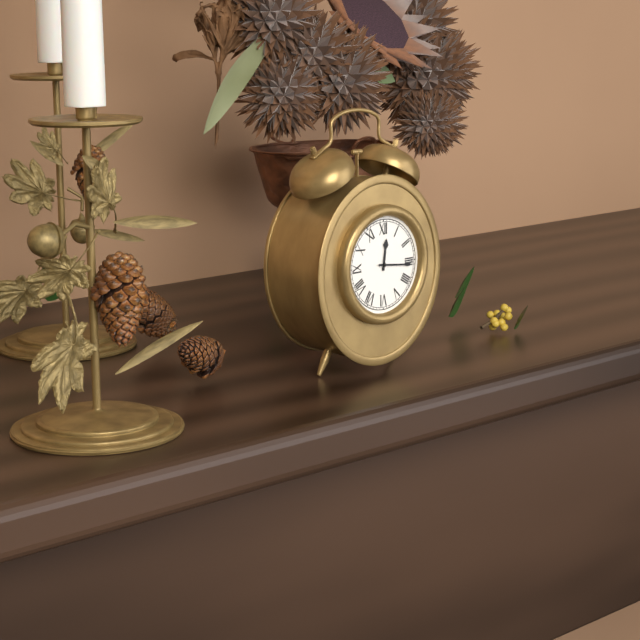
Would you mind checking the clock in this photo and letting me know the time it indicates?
12:16
